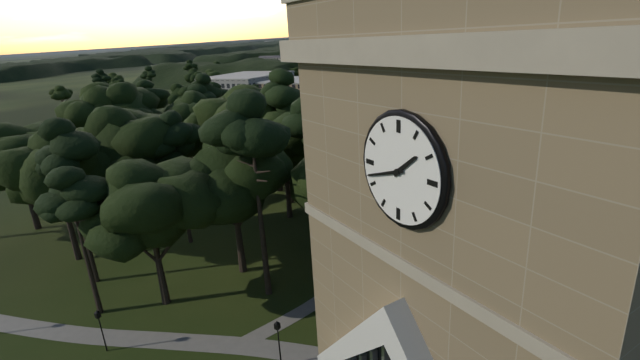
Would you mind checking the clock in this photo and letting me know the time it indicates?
1:42
